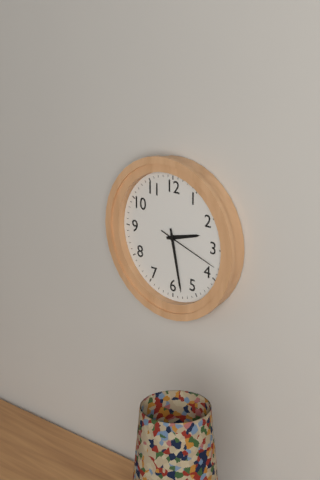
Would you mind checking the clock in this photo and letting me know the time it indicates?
2:28:18
